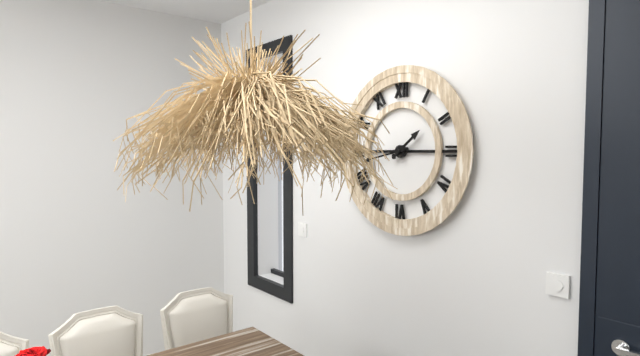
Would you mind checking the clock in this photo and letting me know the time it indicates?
1:43
